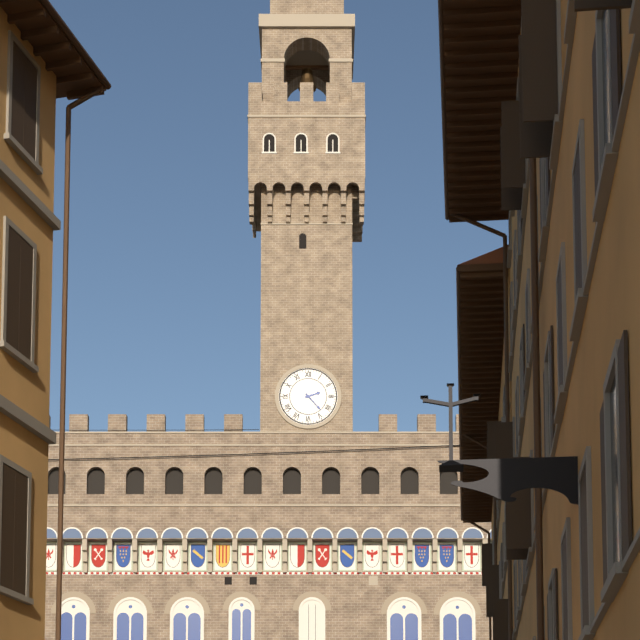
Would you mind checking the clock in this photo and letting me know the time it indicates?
2:23
